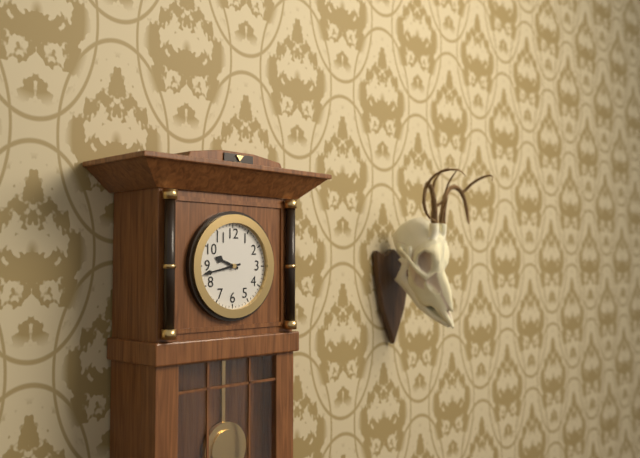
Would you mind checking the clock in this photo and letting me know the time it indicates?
9:43
